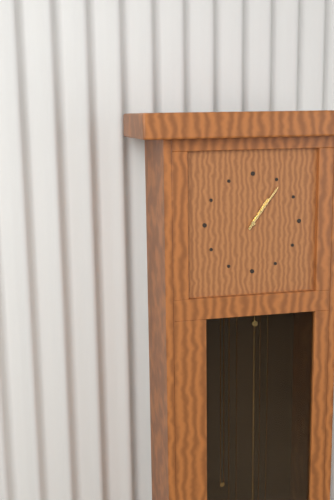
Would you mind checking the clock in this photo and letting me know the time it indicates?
1:06
